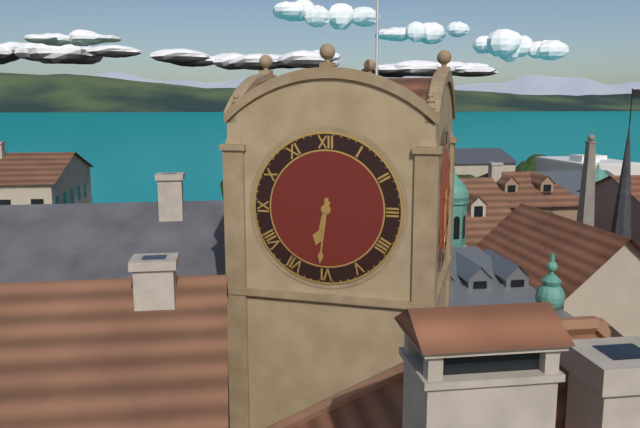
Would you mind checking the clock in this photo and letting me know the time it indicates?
6:31
